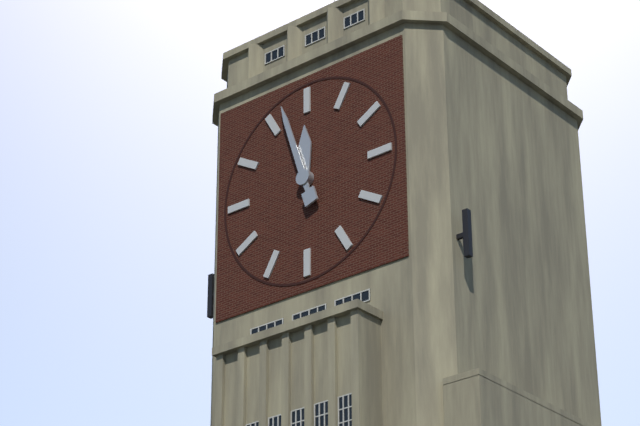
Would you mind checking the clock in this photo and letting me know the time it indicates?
11:57
